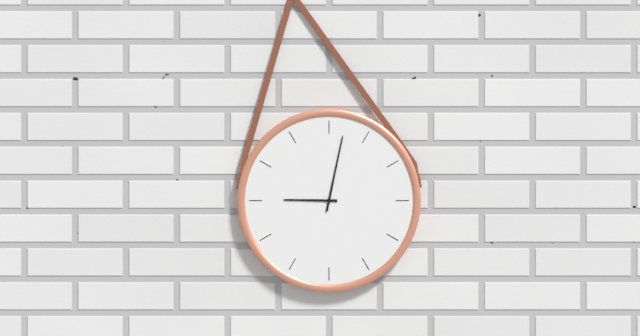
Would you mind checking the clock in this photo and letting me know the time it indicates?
9:02
